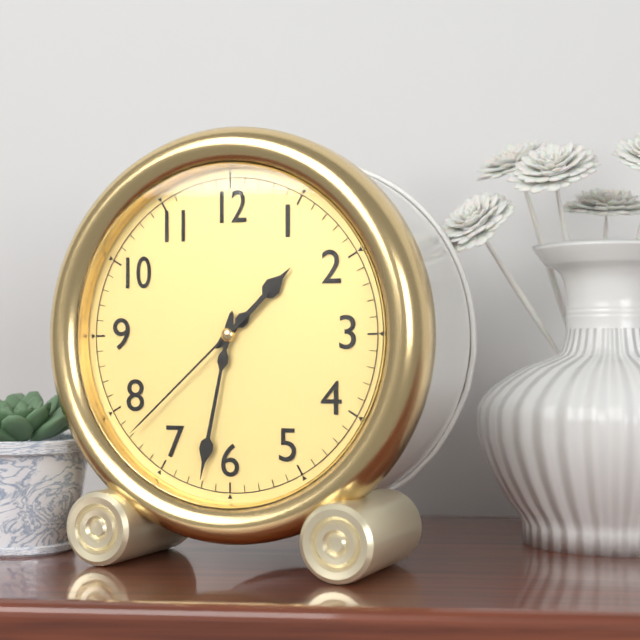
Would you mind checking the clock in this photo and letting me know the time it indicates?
1:32:38
